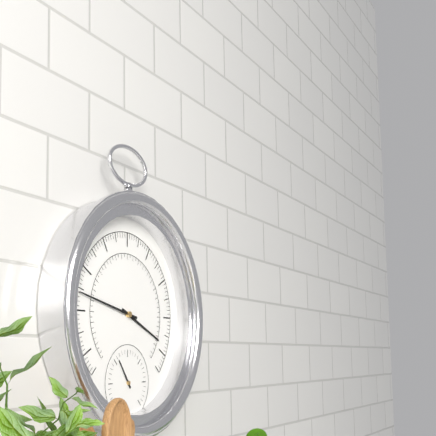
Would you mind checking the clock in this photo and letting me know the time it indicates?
3:47
